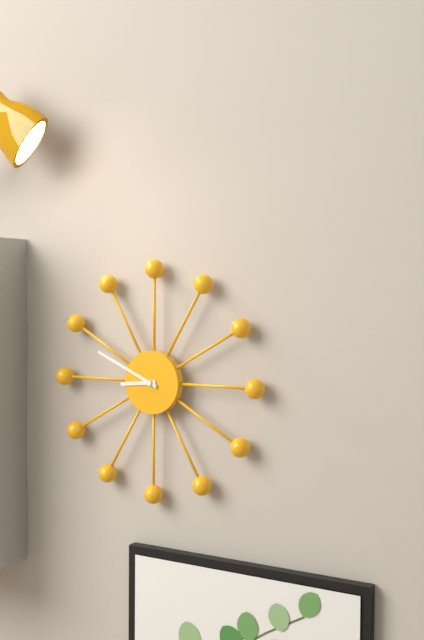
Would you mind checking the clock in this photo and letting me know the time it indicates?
8:49
